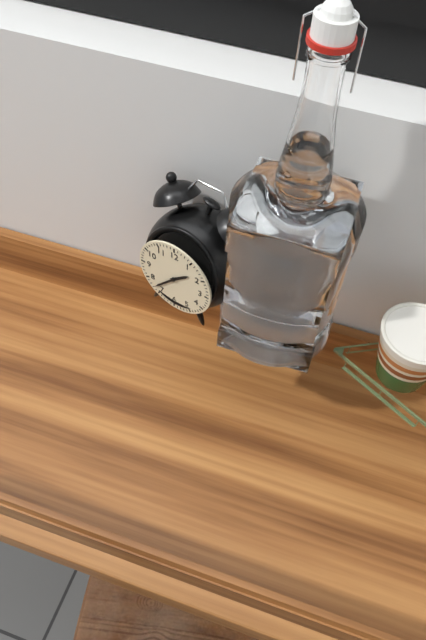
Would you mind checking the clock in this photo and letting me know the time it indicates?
1:37
